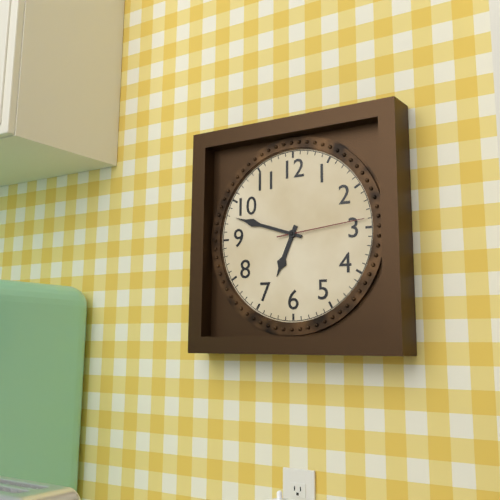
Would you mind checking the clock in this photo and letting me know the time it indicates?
6:48:14
